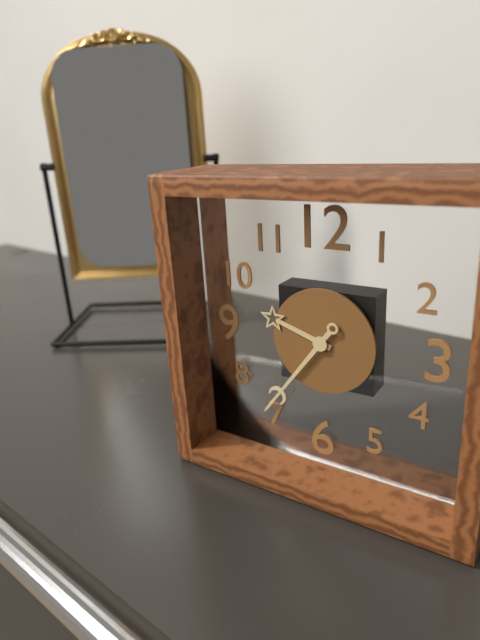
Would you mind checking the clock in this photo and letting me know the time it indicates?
9:36
